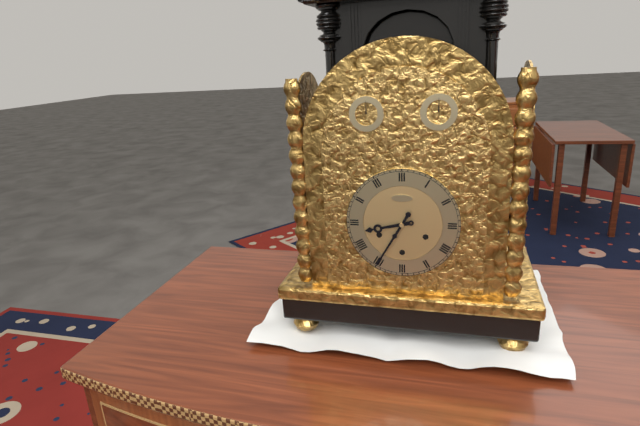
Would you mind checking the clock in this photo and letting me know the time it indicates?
8:35
